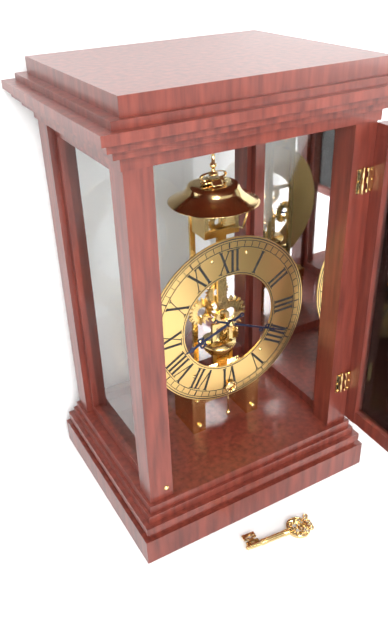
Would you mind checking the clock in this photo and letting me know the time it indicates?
8:19
